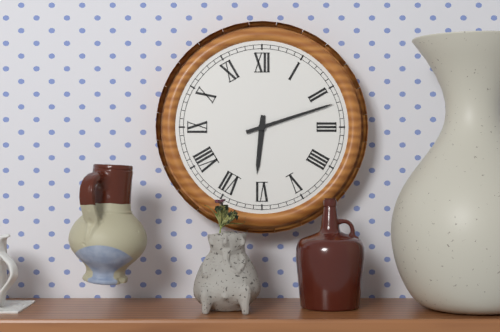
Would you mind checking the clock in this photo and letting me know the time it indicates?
6:12
